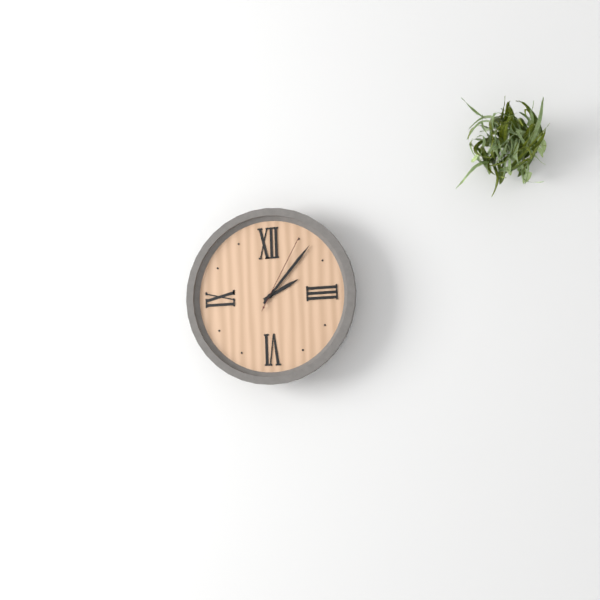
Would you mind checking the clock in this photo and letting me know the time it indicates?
2:07:05
